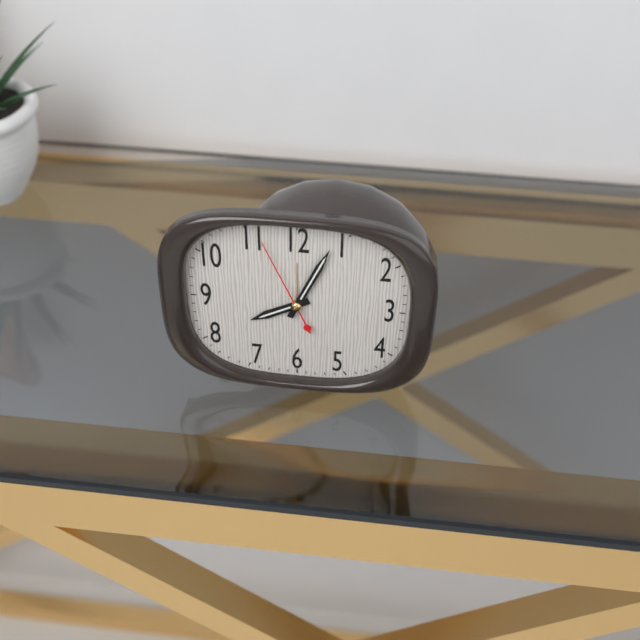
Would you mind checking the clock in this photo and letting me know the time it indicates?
8:04:56
